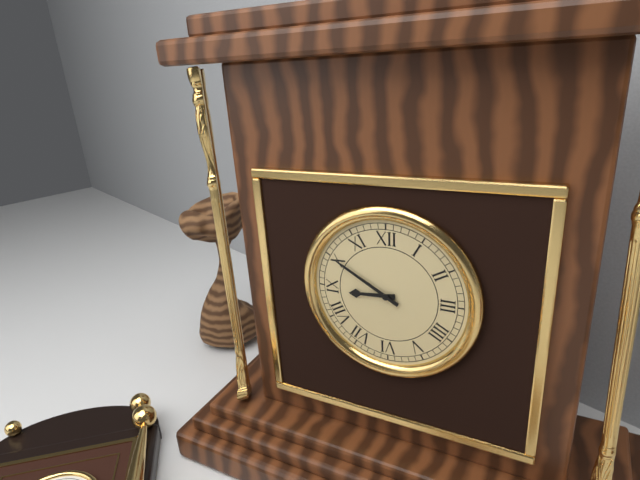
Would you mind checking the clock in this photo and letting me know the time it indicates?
8:50
